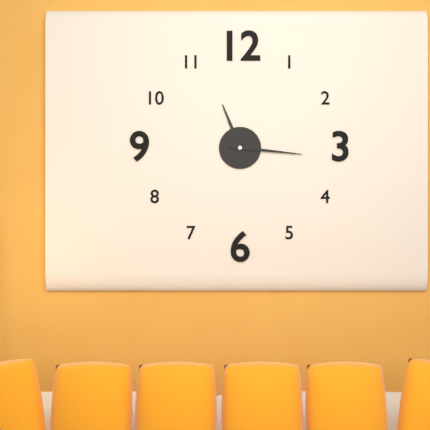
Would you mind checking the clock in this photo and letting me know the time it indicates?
11:16
